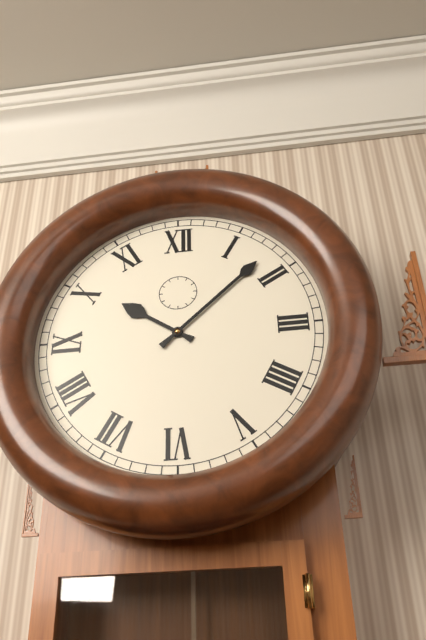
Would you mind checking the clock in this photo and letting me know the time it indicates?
10:08
